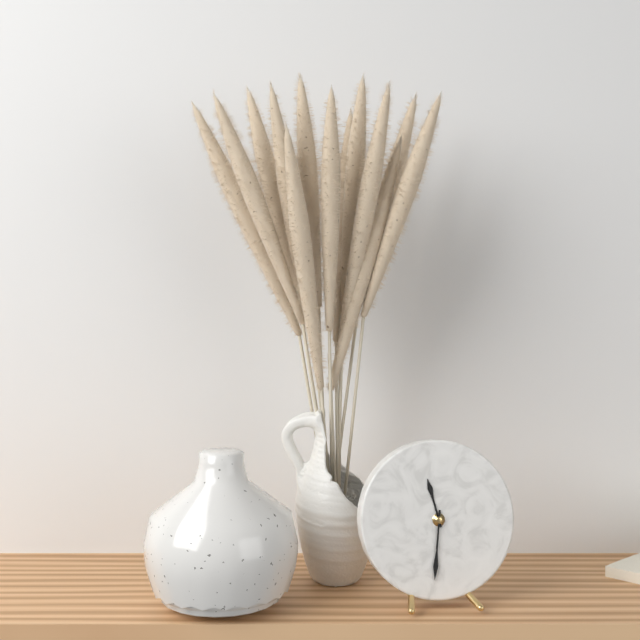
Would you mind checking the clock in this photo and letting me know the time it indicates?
11:31
